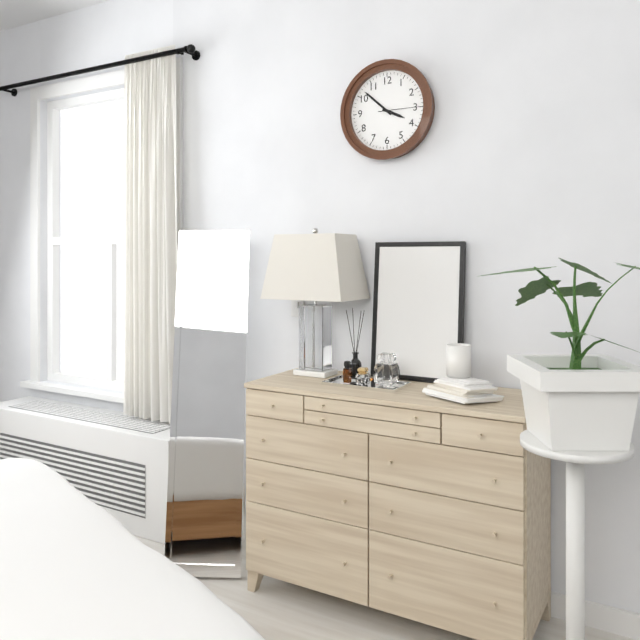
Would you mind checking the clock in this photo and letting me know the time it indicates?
3:52
